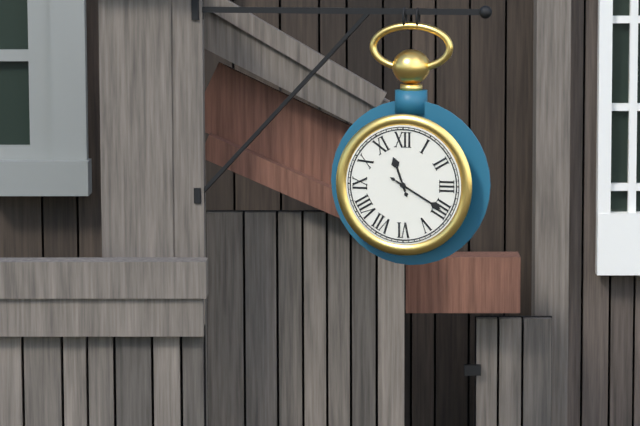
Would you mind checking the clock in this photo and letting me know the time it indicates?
11:20
